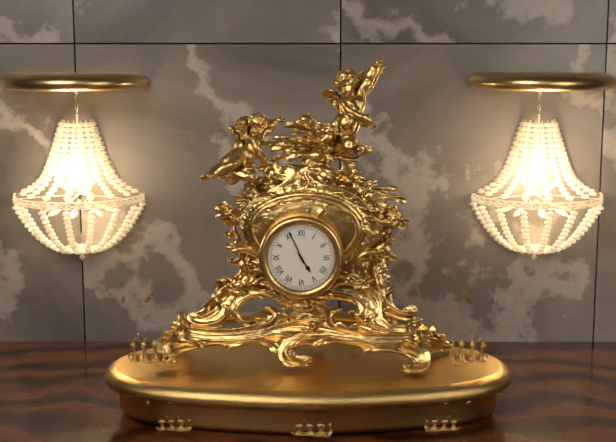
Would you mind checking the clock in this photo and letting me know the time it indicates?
4:56
